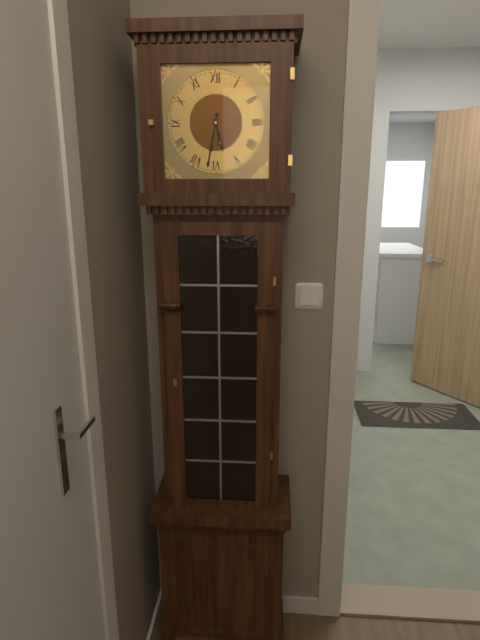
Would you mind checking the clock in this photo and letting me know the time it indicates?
5:32
